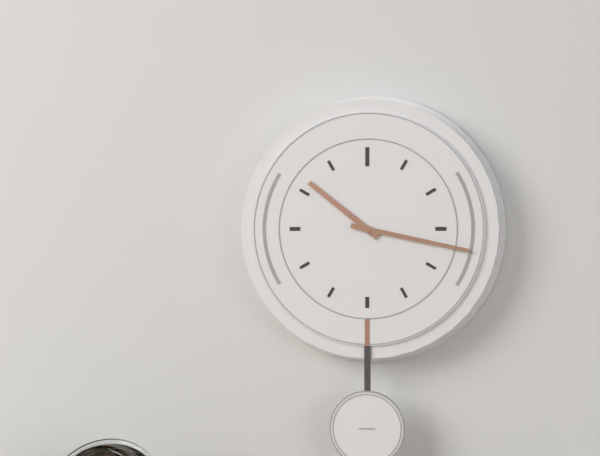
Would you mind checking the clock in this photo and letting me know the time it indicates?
10:17
